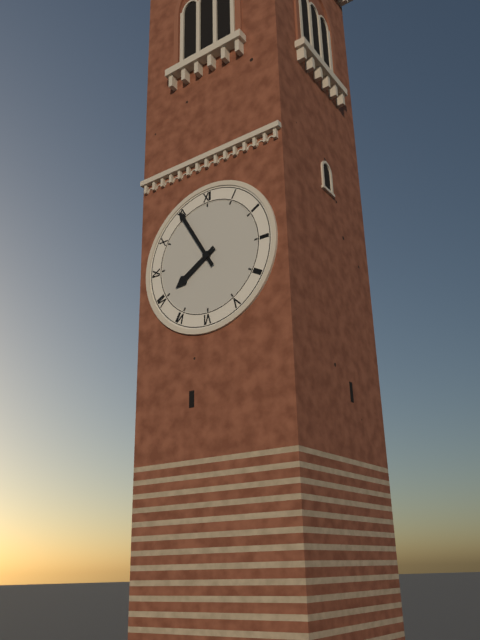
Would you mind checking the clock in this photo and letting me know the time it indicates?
7:55
